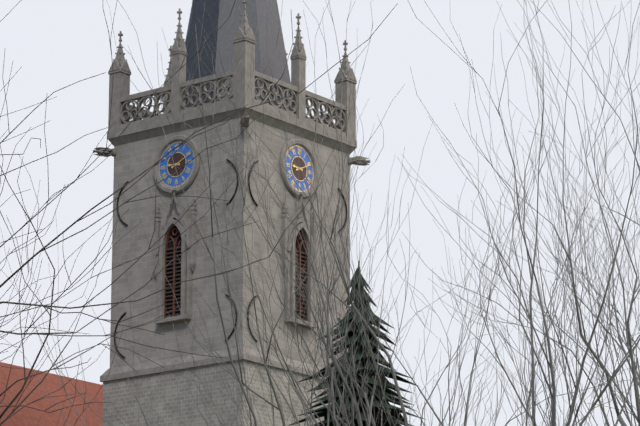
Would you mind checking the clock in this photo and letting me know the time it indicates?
9:11
